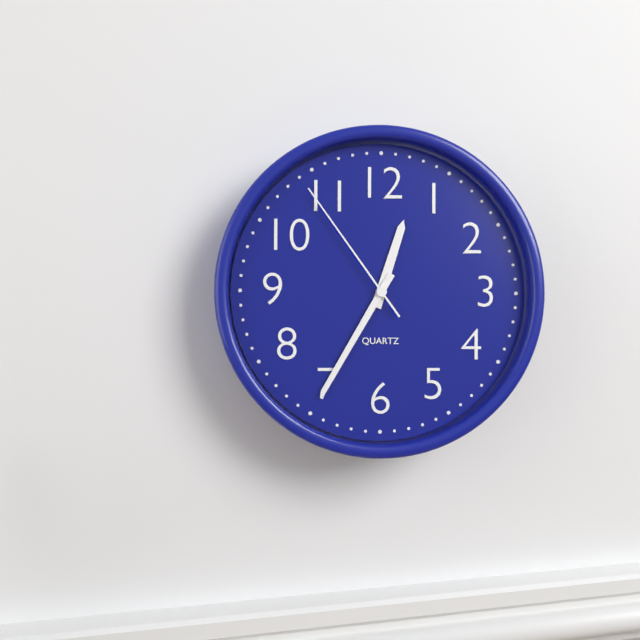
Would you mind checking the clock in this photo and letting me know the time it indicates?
12:35:54
